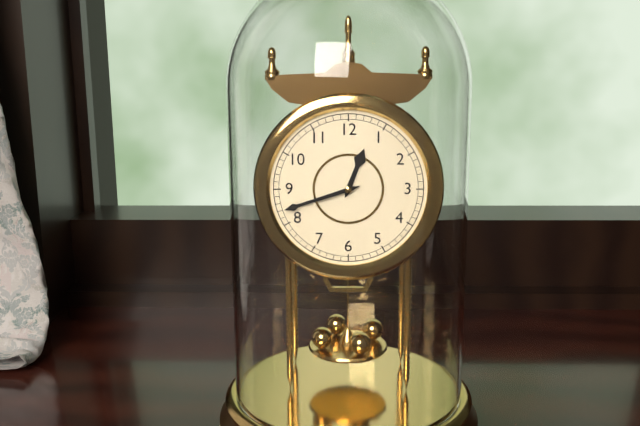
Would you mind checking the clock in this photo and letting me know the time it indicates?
12:42
